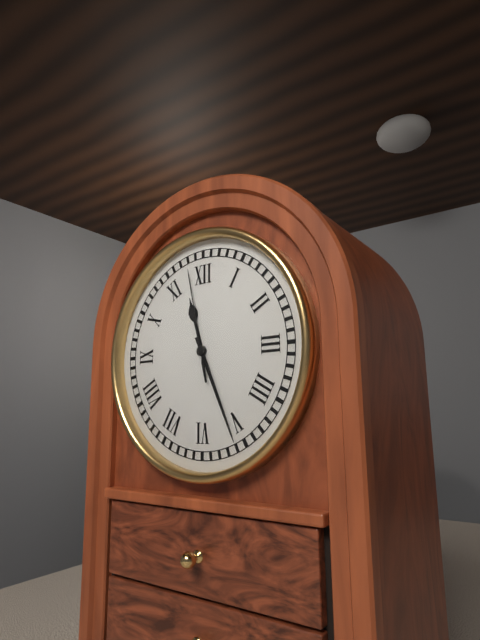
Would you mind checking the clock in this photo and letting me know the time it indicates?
11:26:58
